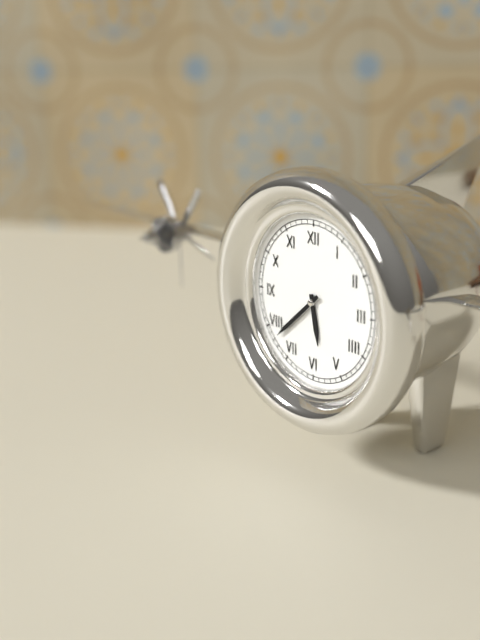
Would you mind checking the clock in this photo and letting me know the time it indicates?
5:38
